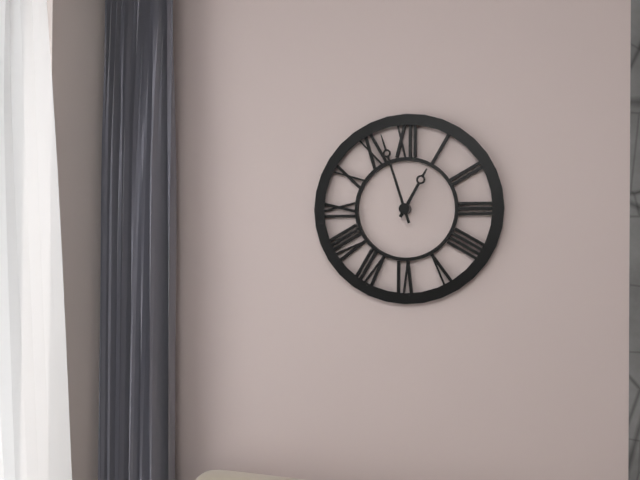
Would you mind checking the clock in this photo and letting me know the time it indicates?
12:57
